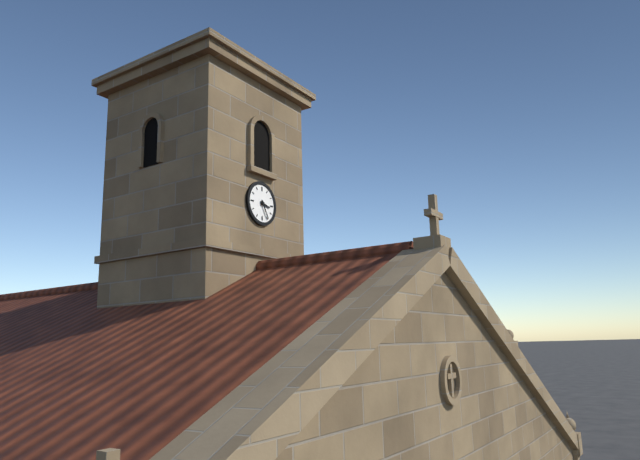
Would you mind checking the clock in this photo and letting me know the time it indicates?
3:25
